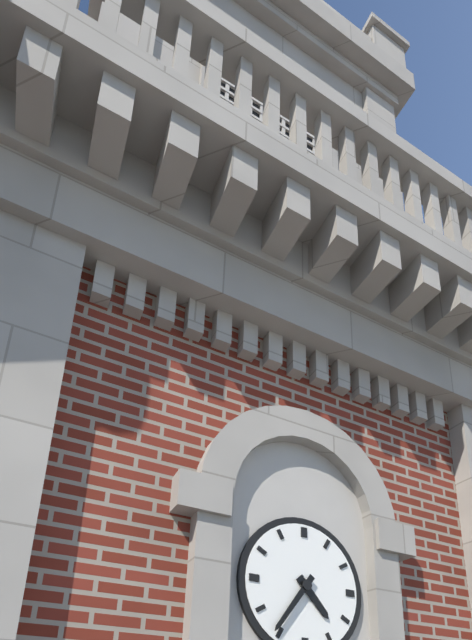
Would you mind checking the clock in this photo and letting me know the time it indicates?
4:36
